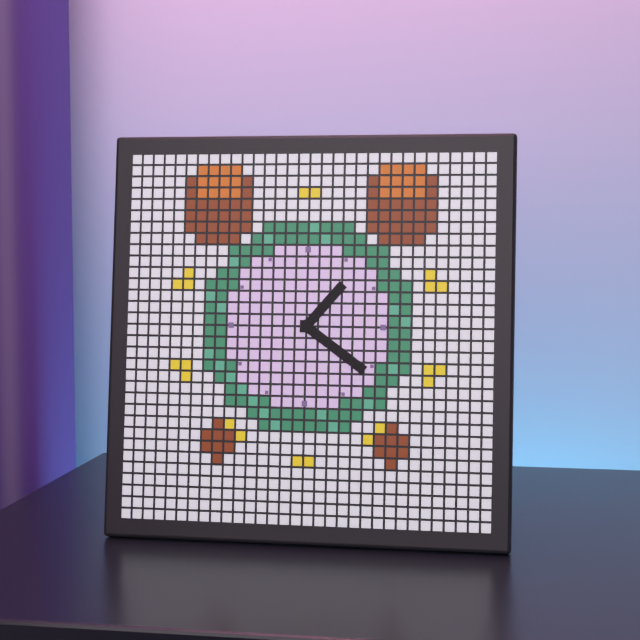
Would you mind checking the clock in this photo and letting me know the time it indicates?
1:21
